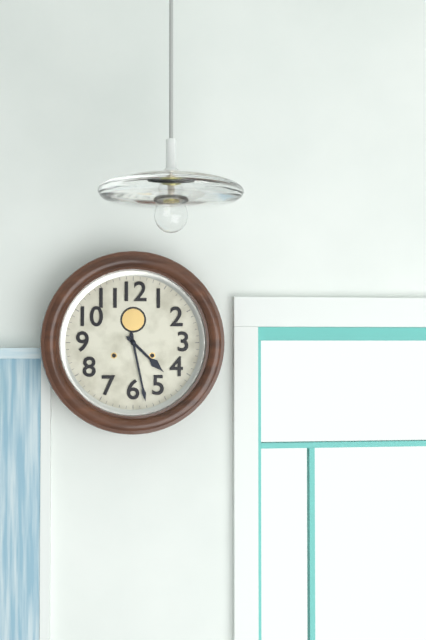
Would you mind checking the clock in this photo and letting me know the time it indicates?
4:28
